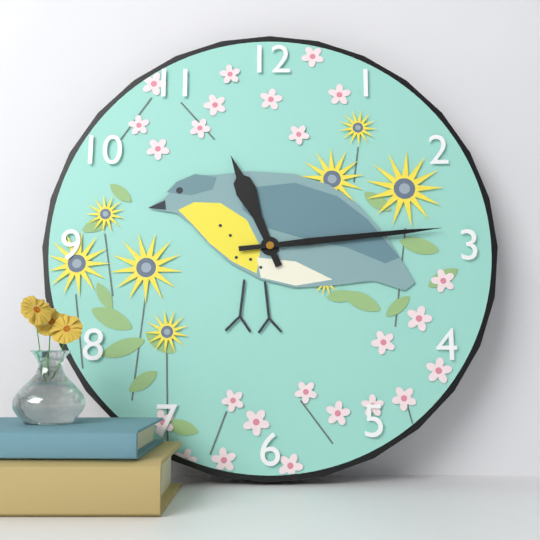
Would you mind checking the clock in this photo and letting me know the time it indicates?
11:14
